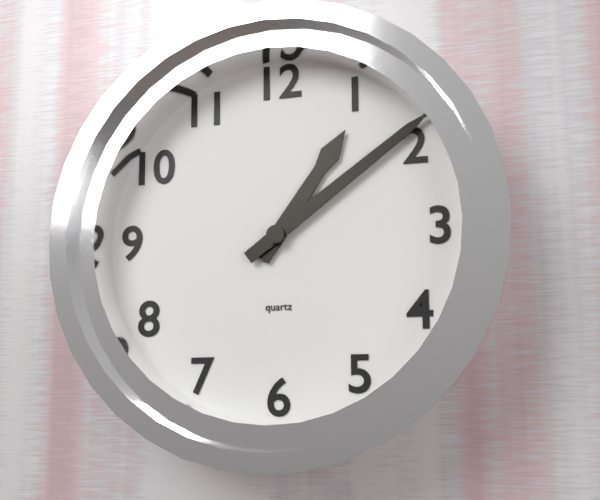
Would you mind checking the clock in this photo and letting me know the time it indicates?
1:09
